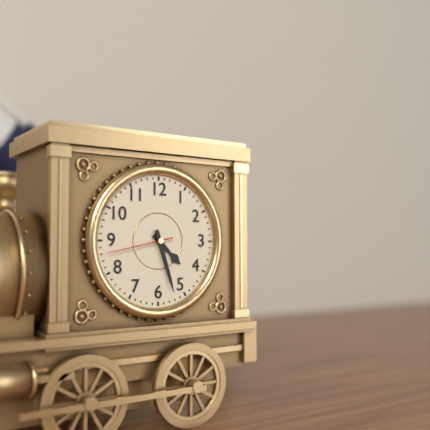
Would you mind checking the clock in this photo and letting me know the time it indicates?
4:27:43
